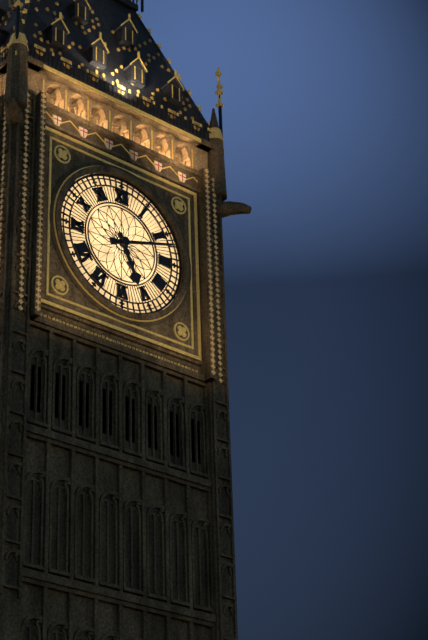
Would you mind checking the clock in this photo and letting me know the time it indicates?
5:12
